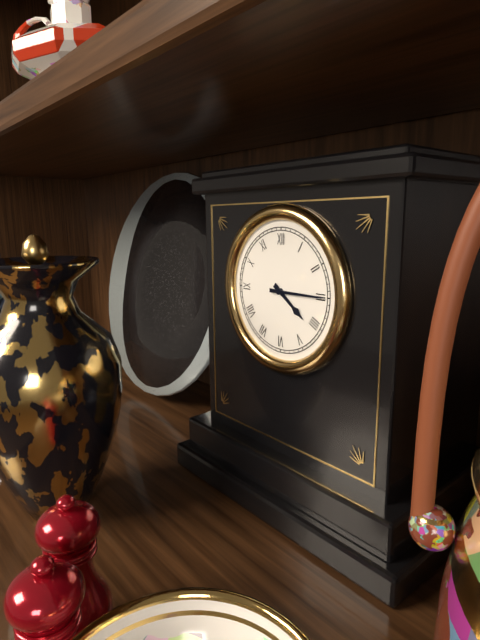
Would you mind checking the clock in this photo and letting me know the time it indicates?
4:15
